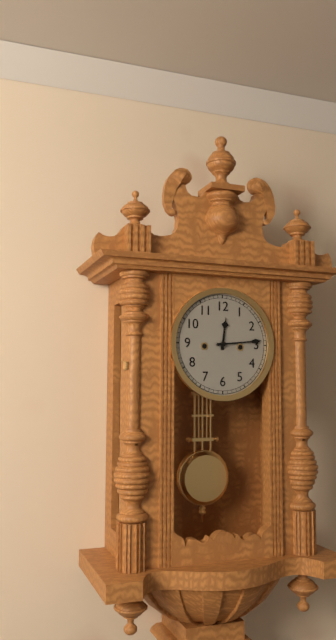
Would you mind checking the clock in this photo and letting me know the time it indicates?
12:14
